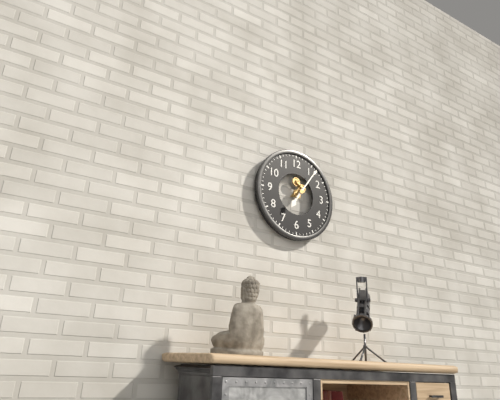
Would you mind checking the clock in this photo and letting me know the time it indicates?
7:06
